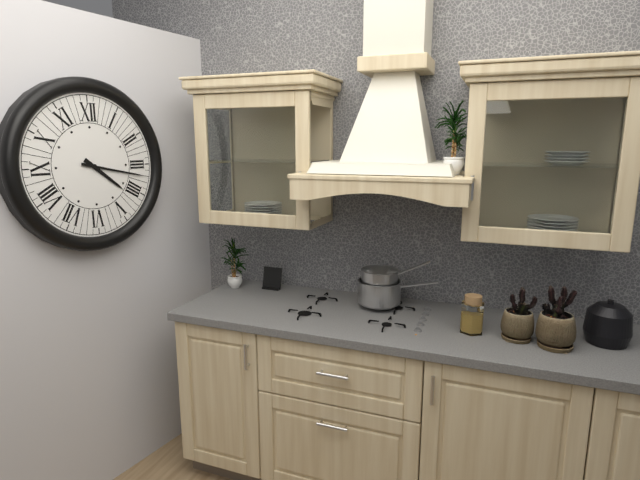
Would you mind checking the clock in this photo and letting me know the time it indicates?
4:17
